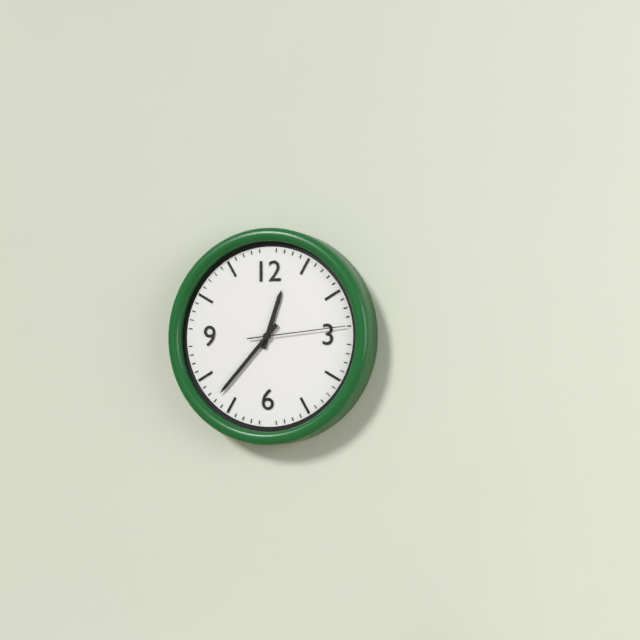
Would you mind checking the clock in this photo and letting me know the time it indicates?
12:37:14
